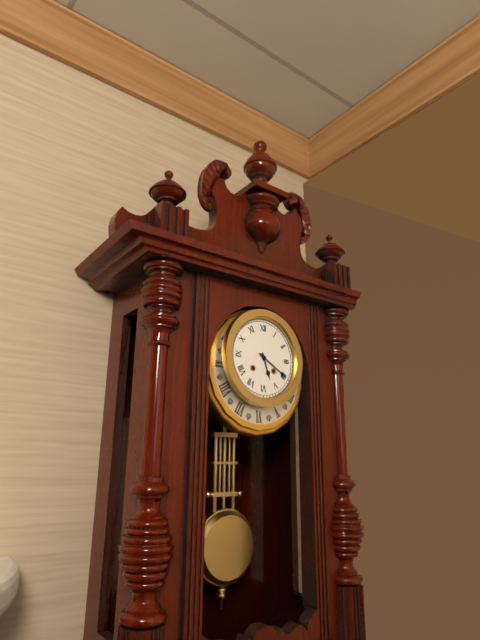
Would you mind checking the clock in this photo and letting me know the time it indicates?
5:20
